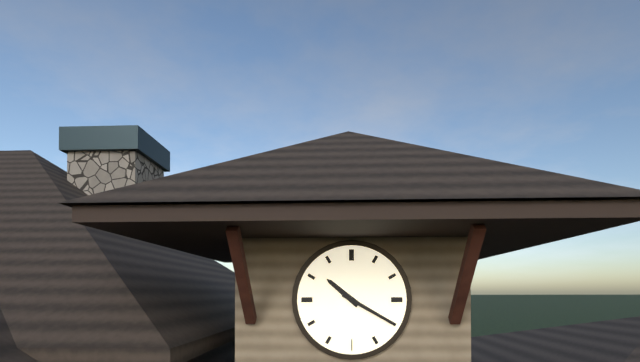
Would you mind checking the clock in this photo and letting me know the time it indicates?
10:20
